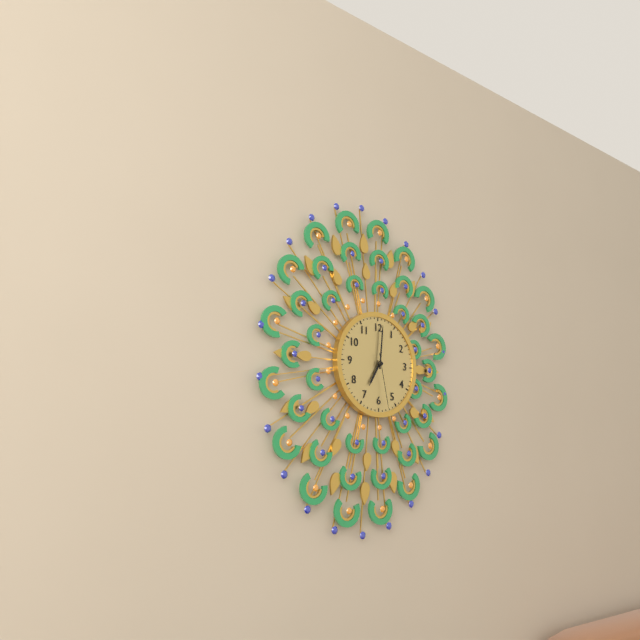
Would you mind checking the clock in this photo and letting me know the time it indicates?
7:01:28
